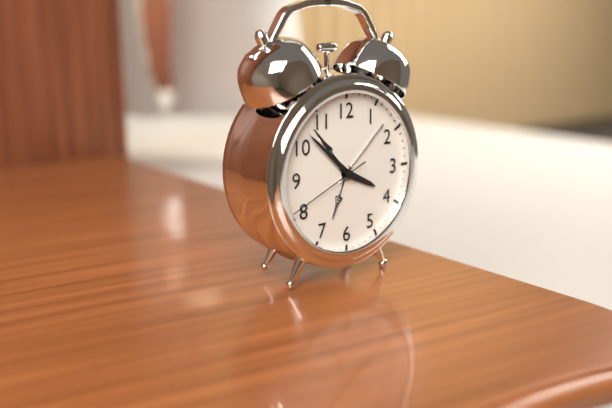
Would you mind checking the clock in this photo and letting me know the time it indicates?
3:52:41
